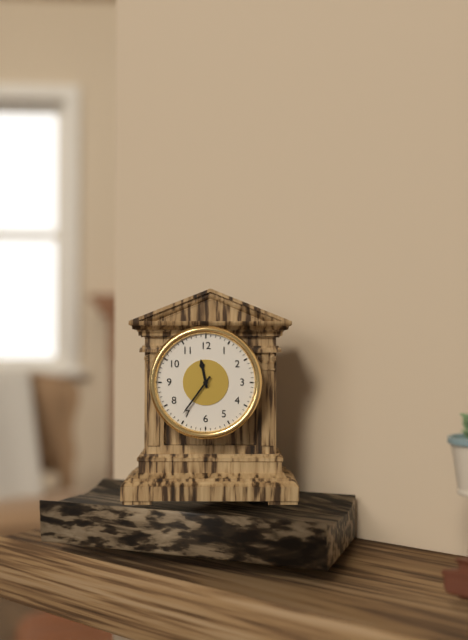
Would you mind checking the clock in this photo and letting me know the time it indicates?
11:36
